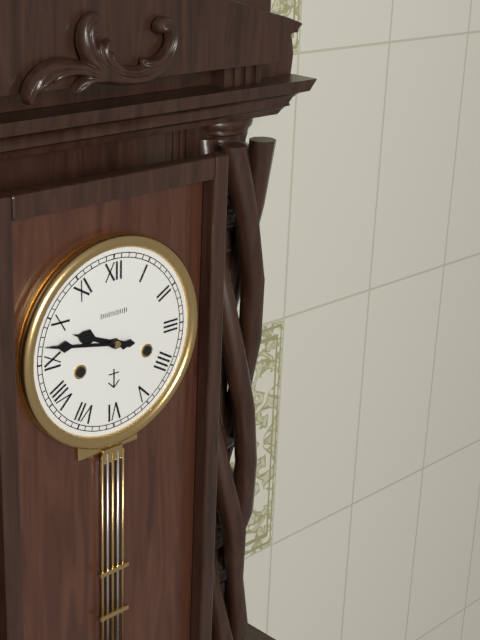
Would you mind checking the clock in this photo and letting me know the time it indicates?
9:47
